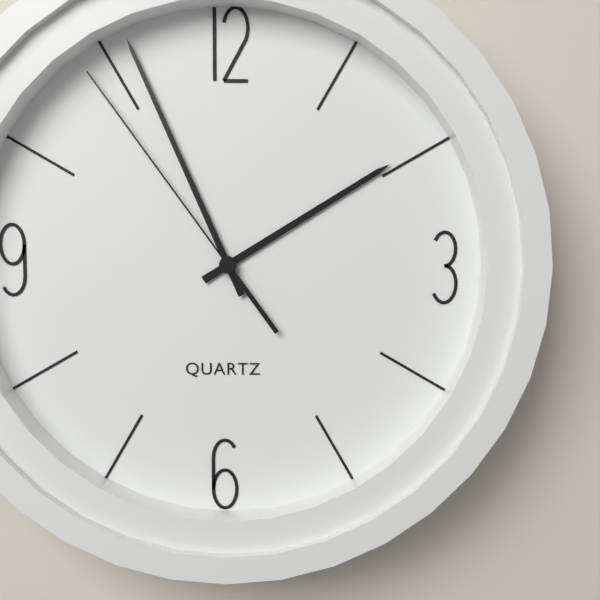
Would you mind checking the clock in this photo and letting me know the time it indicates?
1:56:54
